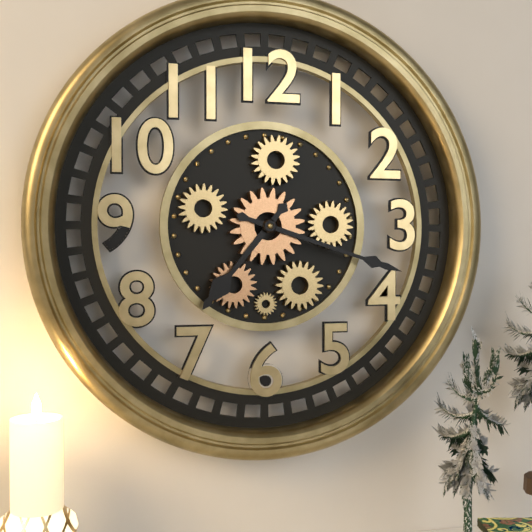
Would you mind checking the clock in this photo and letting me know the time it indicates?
7:18
